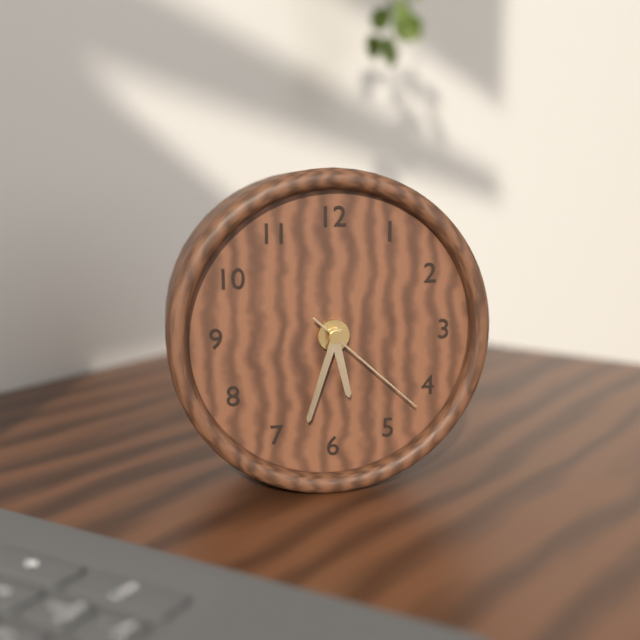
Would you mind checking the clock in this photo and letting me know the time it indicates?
5:33:22
